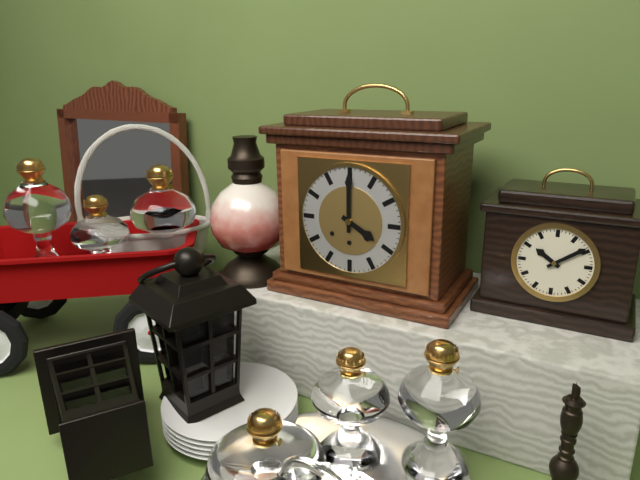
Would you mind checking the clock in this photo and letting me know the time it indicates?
4:00
